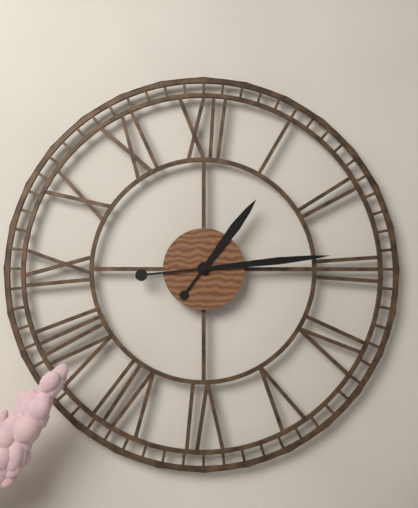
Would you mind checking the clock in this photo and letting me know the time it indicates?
1:14
